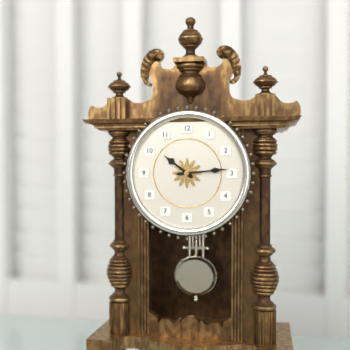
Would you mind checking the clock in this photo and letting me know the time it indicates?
10:14
